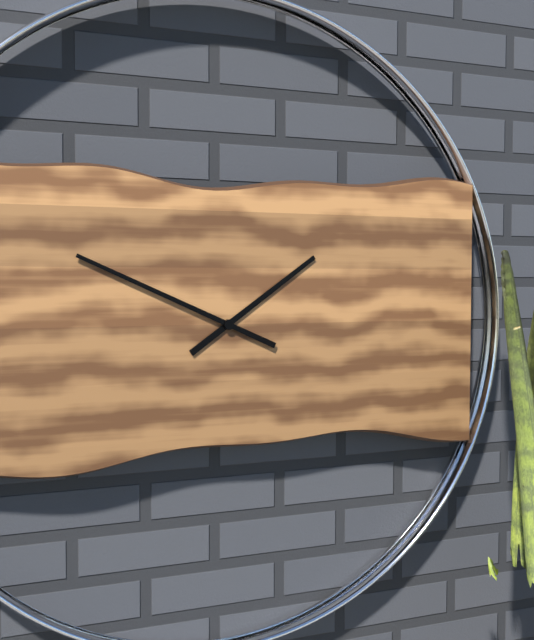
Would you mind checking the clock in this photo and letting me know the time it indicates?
1:49
